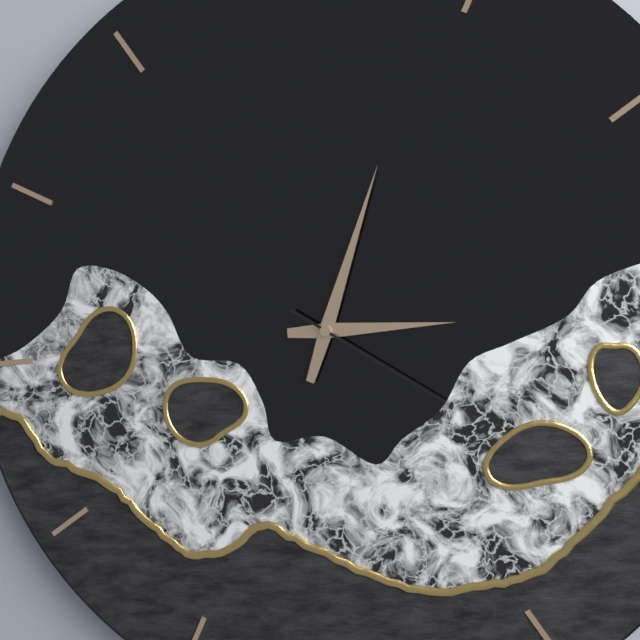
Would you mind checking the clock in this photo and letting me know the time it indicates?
3:04:21
